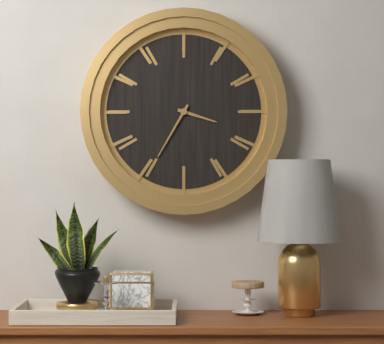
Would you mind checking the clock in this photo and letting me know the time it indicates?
3:35
